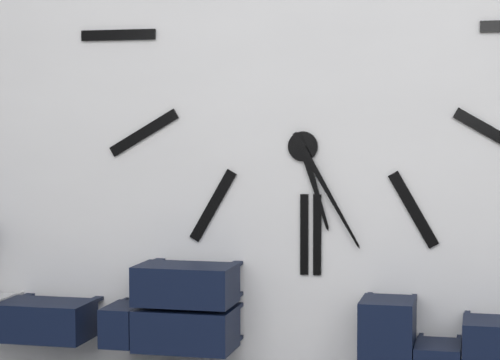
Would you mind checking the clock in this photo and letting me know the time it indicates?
5:25
